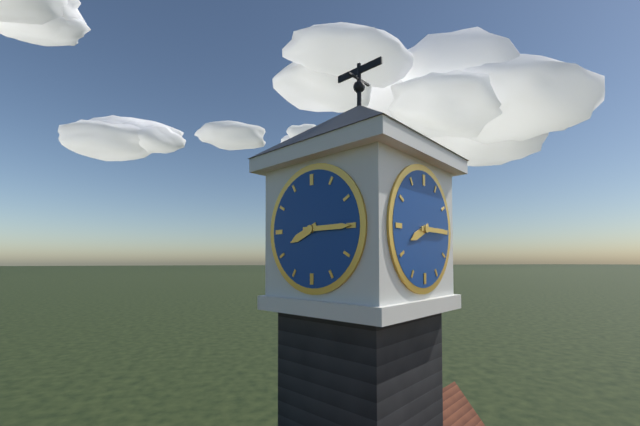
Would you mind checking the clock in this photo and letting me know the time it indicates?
8:15
